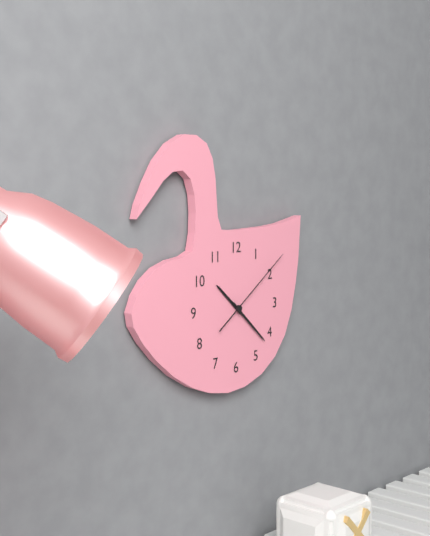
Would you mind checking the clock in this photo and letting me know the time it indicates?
10:22:09
